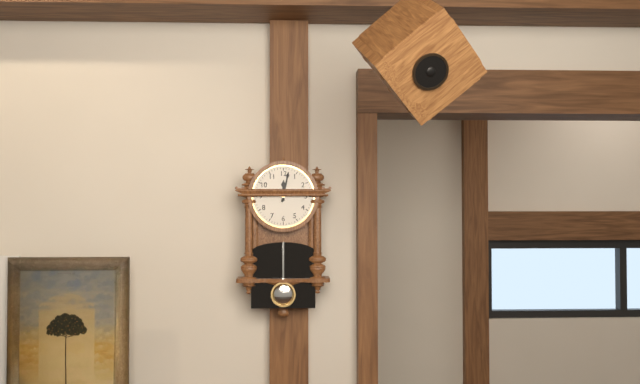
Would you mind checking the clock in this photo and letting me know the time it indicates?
12:02
